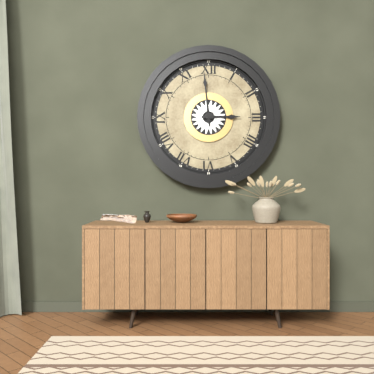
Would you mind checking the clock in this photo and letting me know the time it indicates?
2:59
